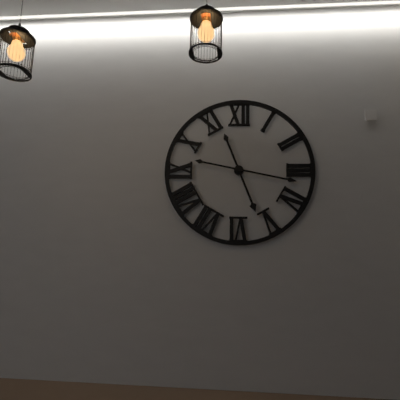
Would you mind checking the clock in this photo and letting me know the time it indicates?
5:17
